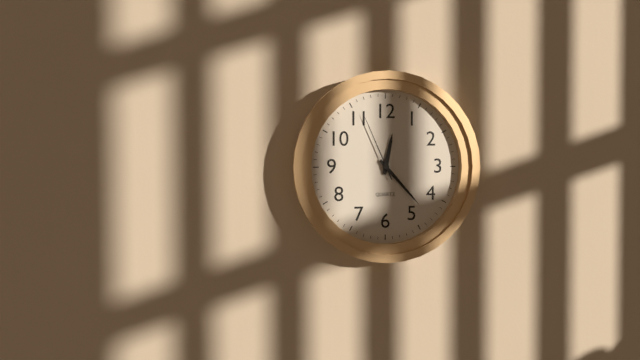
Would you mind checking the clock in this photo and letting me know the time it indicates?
12:23:56
